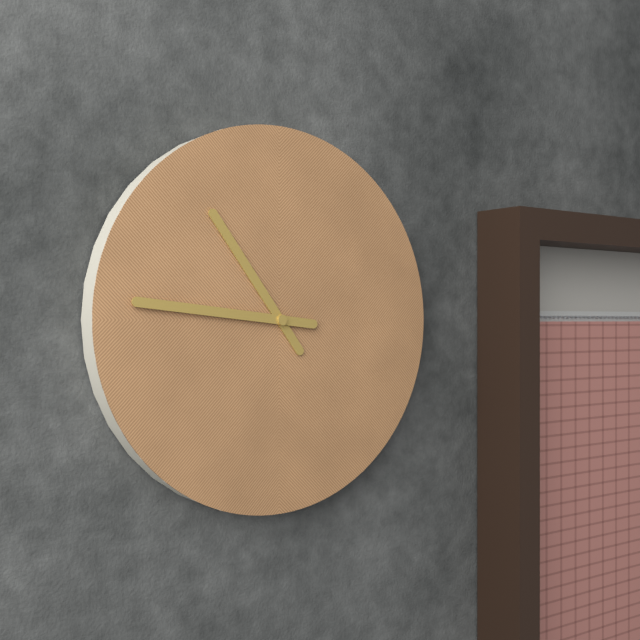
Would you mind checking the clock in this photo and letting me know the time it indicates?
10:46
